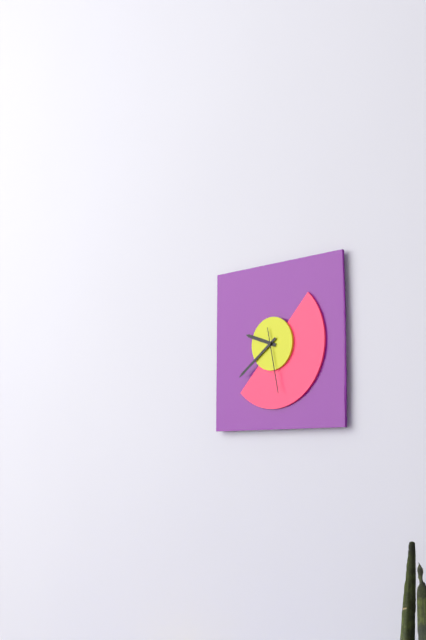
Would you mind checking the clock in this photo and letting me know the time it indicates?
9:39:28
